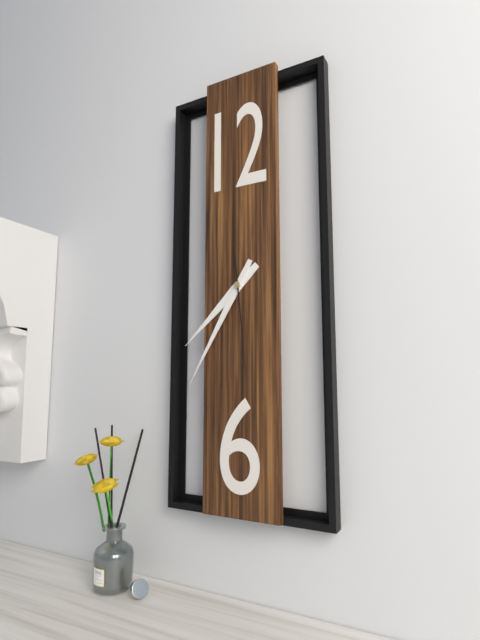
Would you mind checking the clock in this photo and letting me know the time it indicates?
7:35:29
